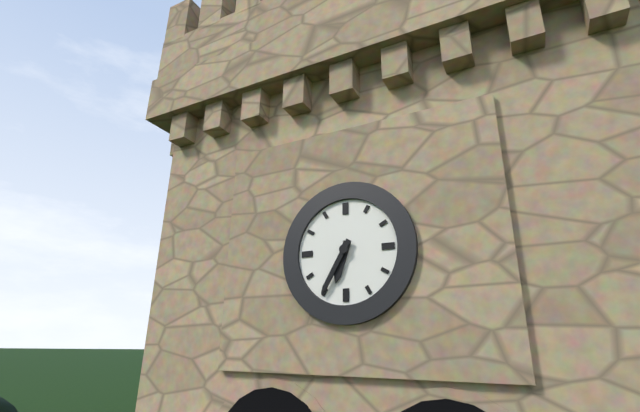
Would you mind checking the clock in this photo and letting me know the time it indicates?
6:35
